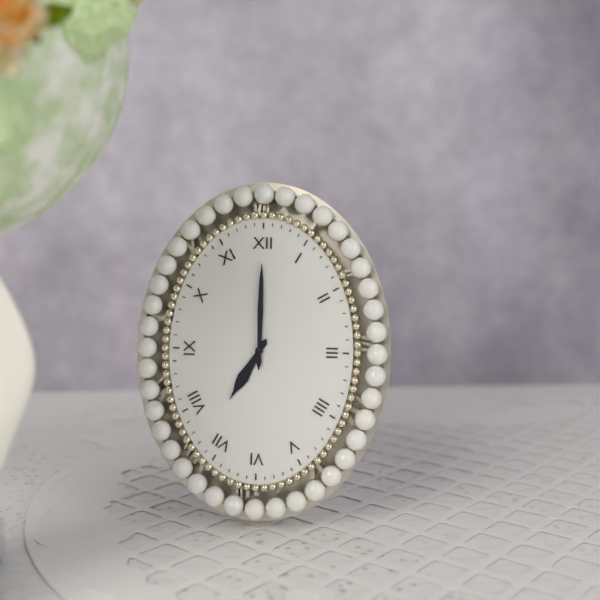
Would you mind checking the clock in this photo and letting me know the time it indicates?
7:00
